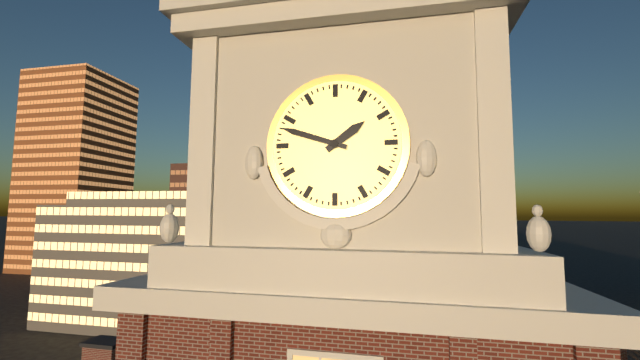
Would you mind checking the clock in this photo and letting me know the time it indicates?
1:48
